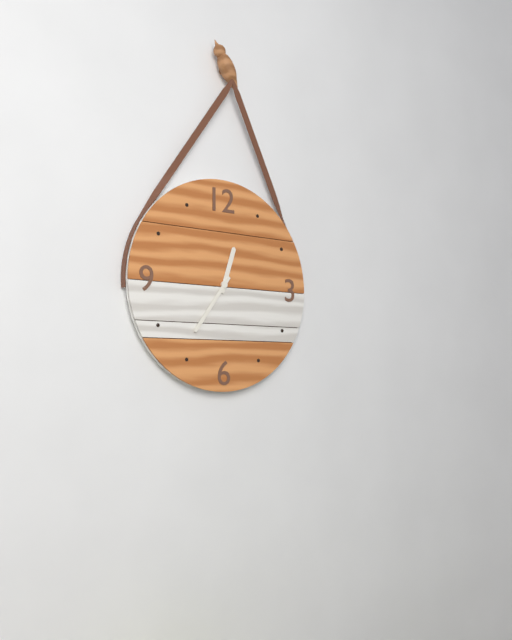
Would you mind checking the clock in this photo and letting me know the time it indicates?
12:36
